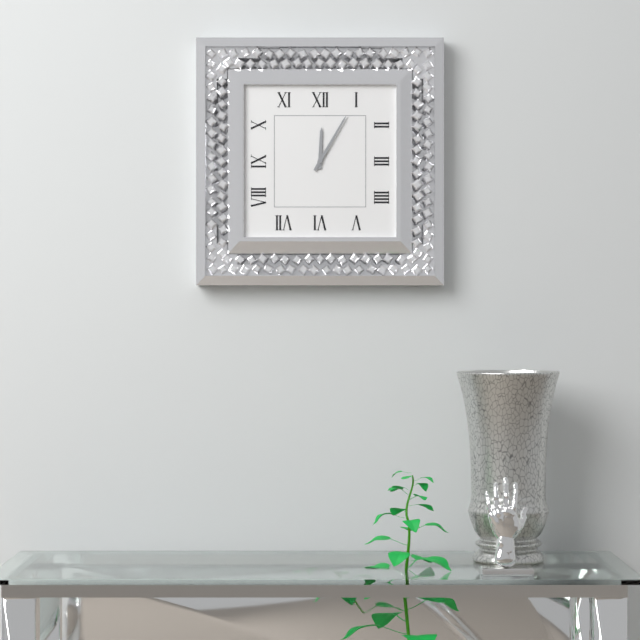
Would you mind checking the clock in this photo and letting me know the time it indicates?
12:05
